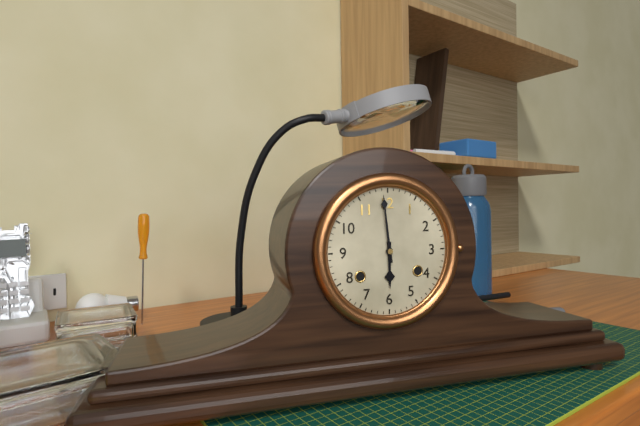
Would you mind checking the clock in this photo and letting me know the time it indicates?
5:59
